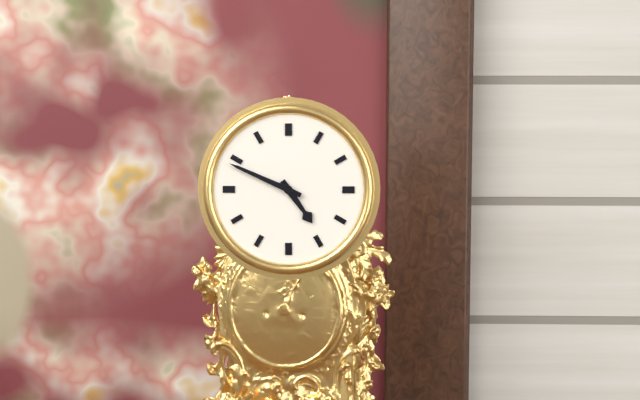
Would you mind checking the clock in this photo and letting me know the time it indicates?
4:49
